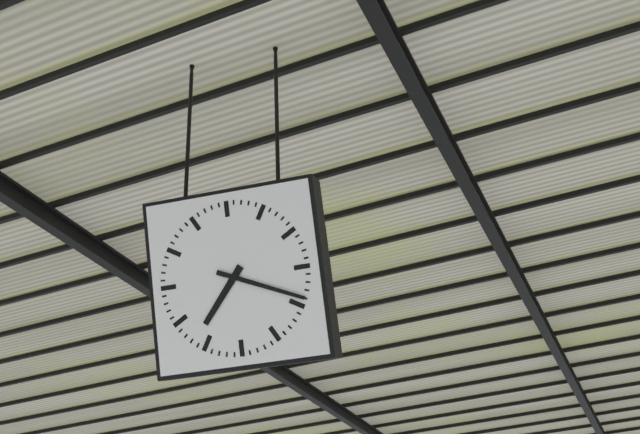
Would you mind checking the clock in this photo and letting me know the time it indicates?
7:19
